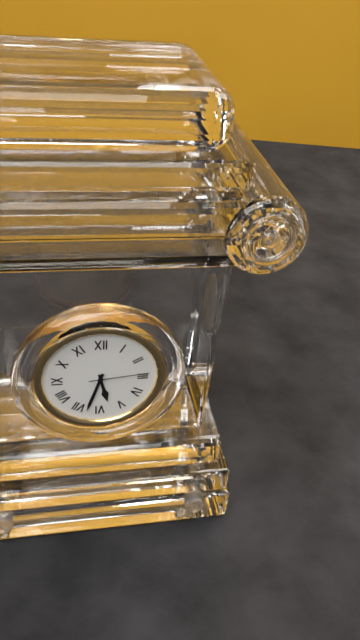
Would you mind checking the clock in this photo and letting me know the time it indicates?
5:33:14
